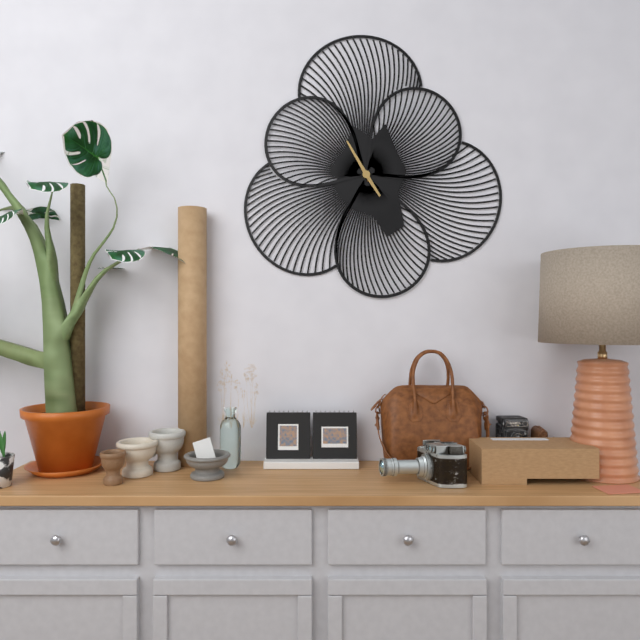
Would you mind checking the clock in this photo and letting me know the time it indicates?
4:55
